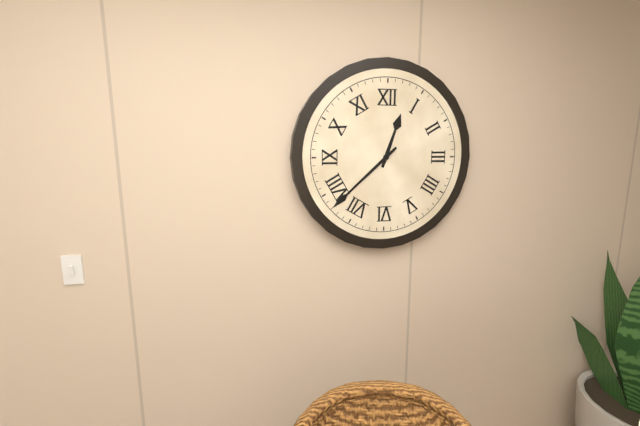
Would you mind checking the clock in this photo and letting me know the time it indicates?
12:38
